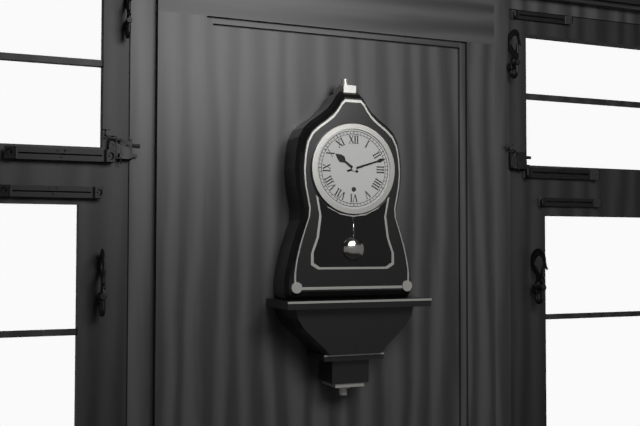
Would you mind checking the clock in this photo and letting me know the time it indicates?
10:12
